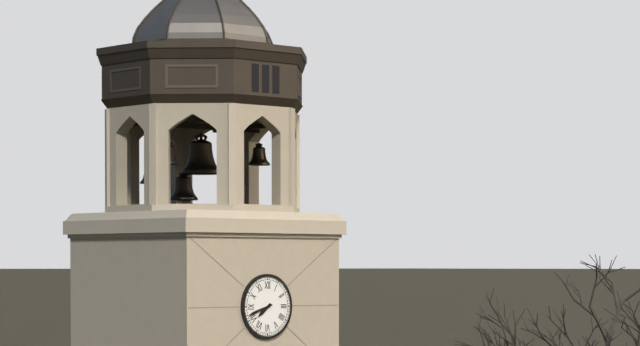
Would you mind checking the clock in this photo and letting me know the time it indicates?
7:42
